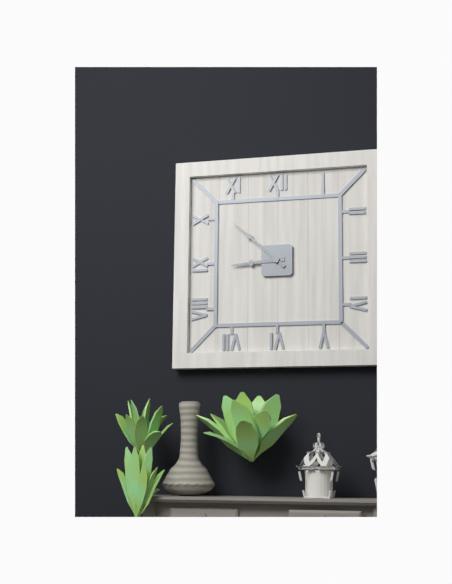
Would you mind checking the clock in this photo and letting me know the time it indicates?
8:52
